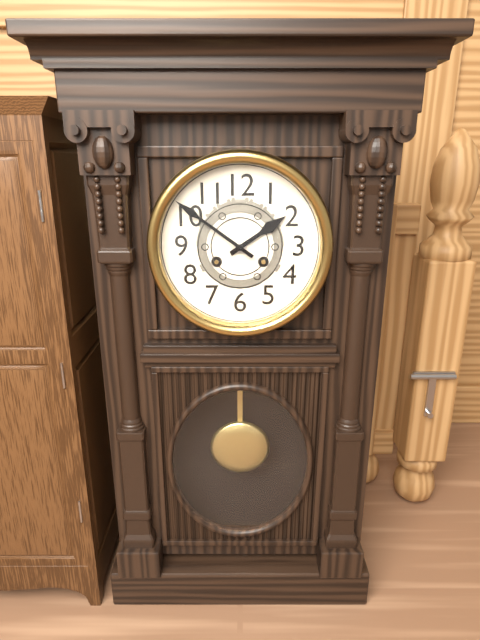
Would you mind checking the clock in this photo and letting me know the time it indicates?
1:51
